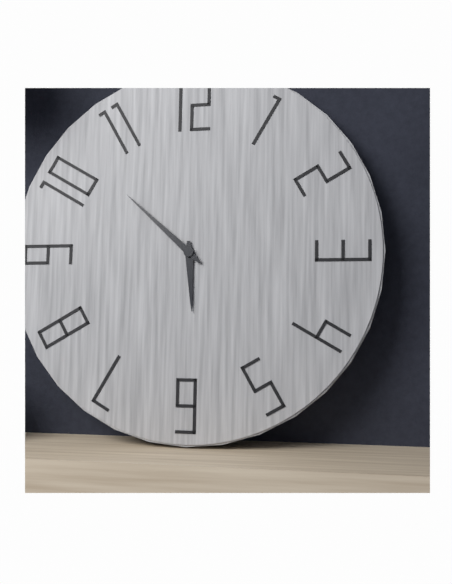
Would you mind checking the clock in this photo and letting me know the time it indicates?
5:52
